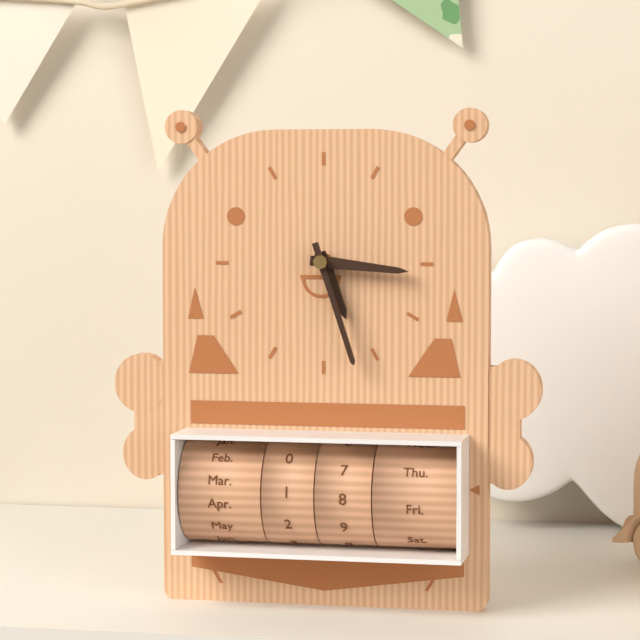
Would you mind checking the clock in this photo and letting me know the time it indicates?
5:16:27
